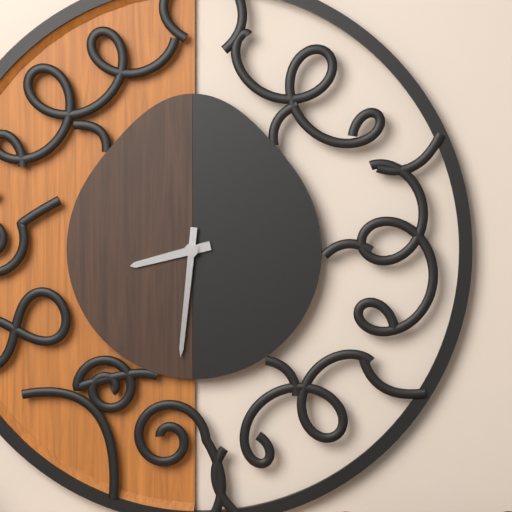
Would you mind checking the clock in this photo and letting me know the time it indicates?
8:31
